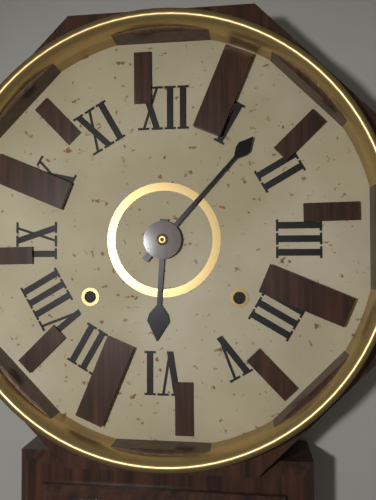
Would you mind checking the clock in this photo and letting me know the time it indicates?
6:07
